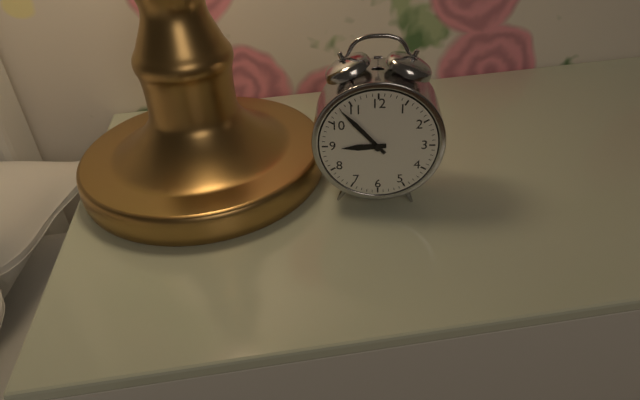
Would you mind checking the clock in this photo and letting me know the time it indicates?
8:53
